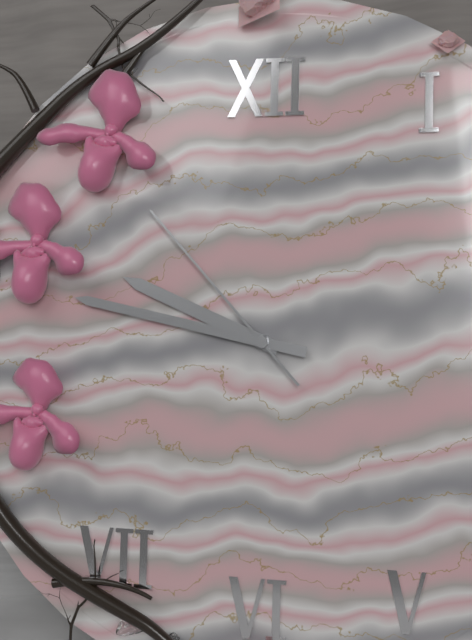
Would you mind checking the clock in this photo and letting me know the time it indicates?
9:47:53
